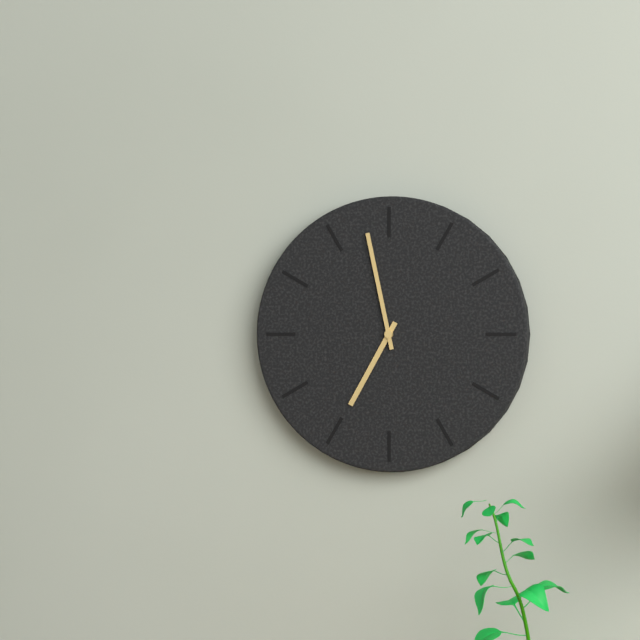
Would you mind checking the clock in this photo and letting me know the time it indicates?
6:58
